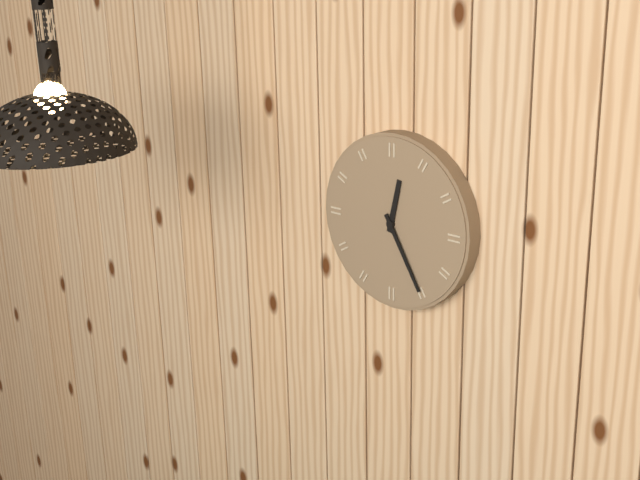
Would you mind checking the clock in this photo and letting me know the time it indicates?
12:25
